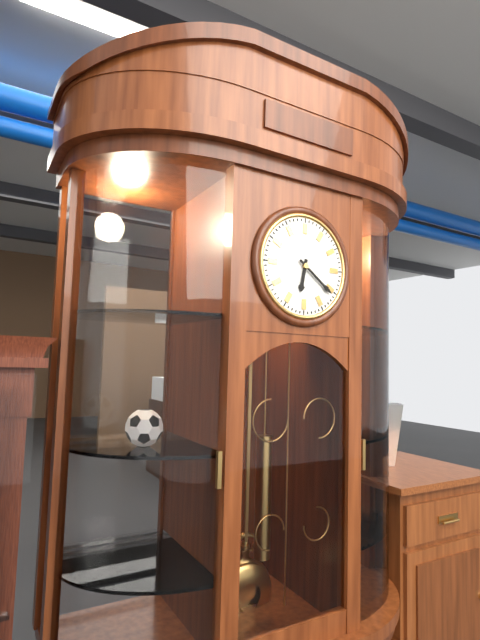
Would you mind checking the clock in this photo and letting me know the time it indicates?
6:21
